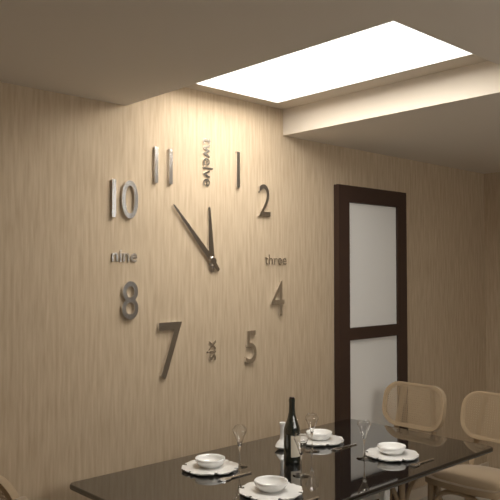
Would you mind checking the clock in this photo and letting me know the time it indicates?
11:53
